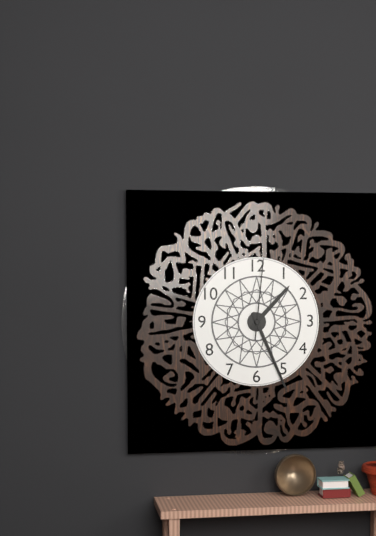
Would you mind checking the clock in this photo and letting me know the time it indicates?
1:26:01
